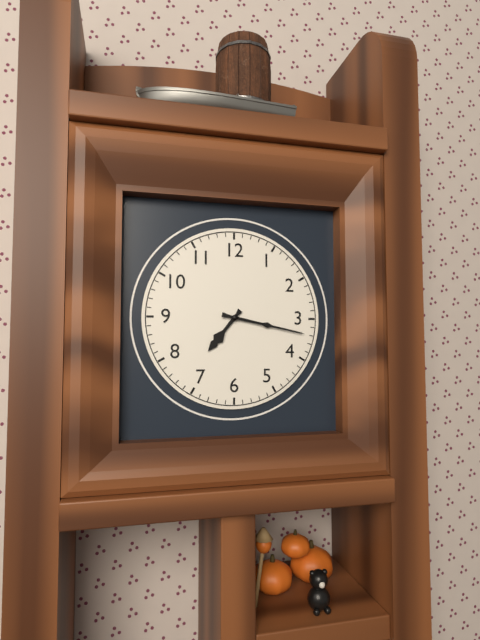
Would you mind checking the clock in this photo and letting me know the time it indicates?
7:17
